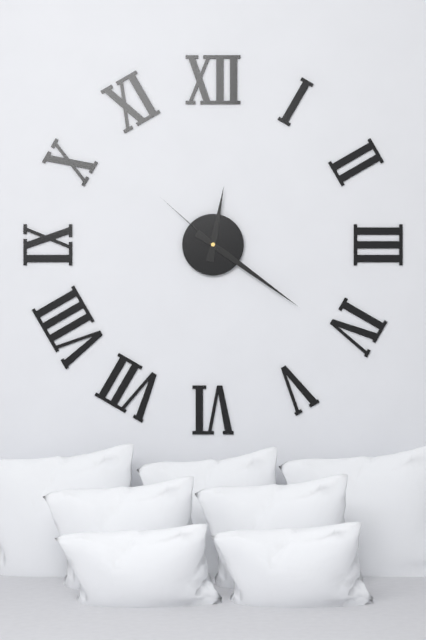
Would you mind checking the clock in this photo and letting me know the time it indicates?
12:21:52
